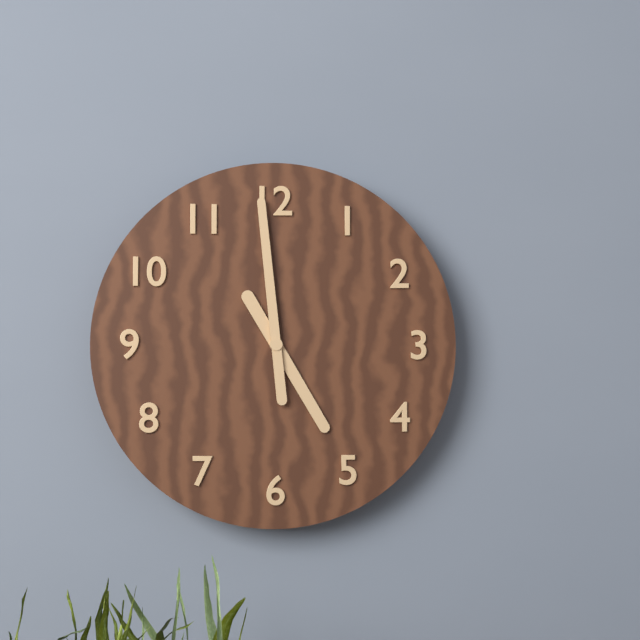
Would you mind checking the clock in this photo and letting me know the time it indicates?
4:59
